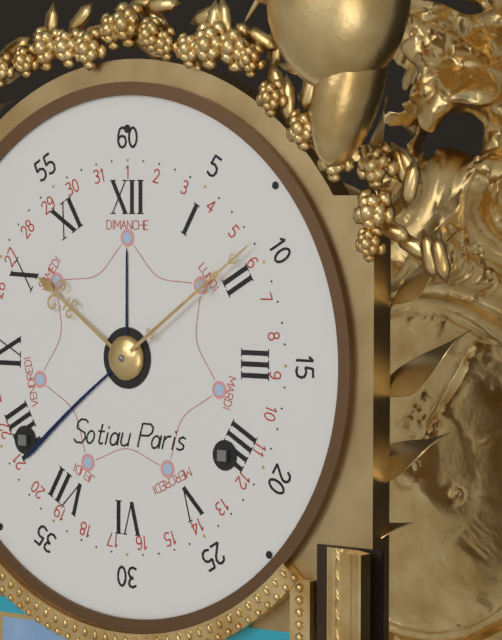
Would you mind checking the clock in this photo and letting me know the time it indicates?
10:09
